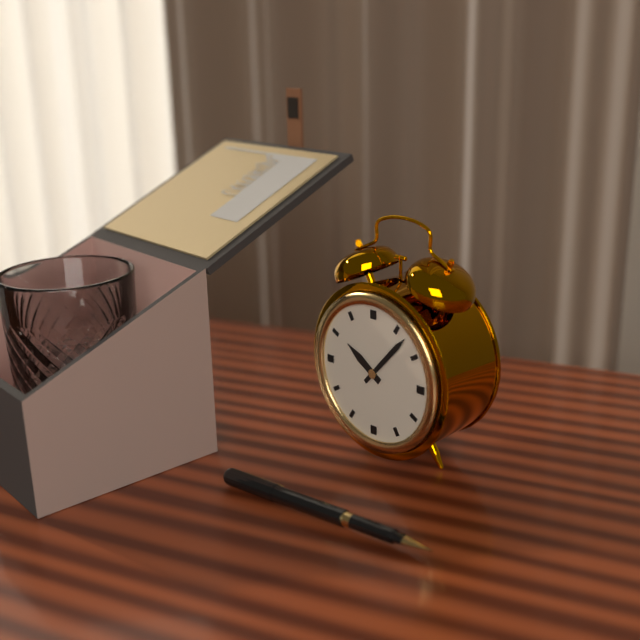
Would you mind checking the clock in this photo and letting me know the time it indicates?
10:07
